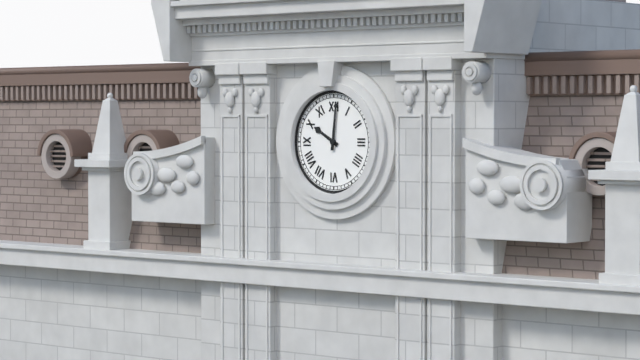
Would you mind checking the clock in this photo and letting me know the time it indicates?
10:01
